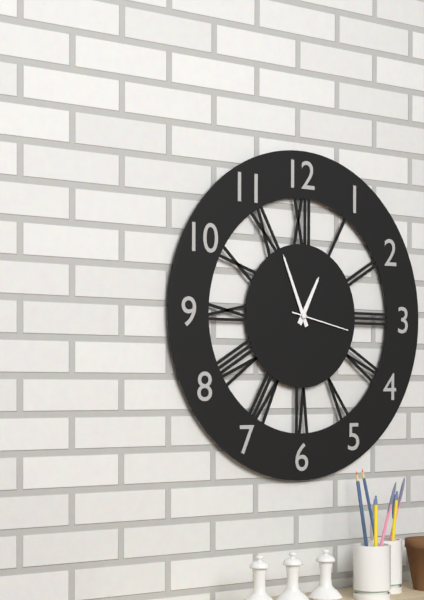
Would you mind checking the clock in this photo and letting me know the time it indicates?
12:56:17
